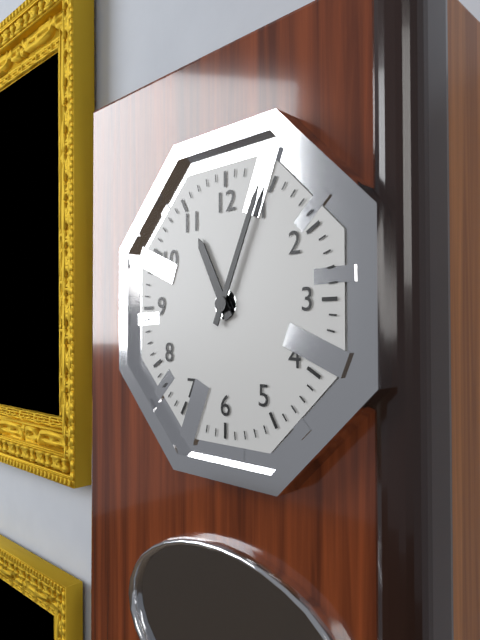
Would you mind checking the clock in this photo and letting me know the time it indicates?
11:04
